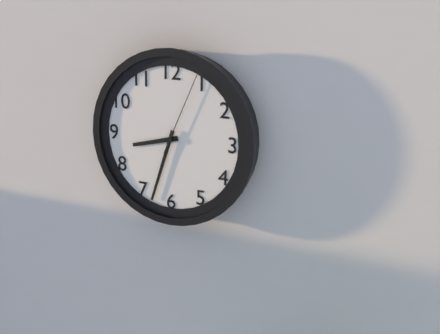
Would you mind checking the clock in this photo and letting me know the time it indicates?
8:33:04
